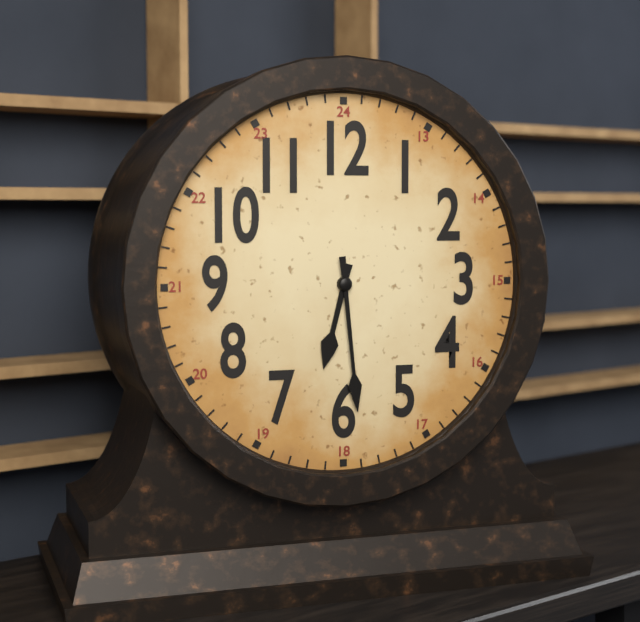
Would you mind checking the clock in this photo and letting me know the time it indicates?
6:29
